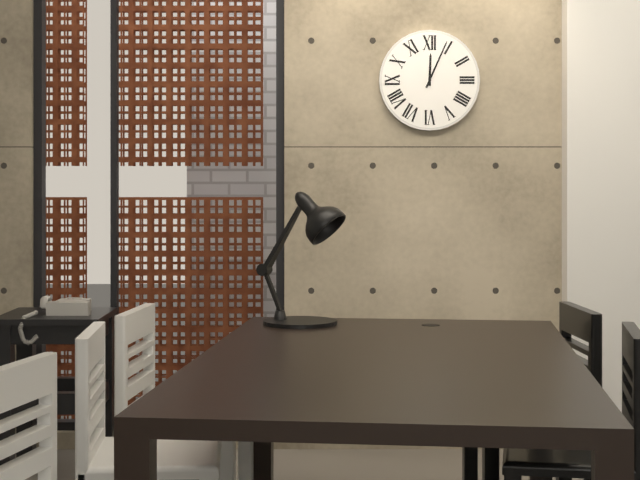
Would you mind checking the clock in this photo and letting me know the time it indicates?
12:04
